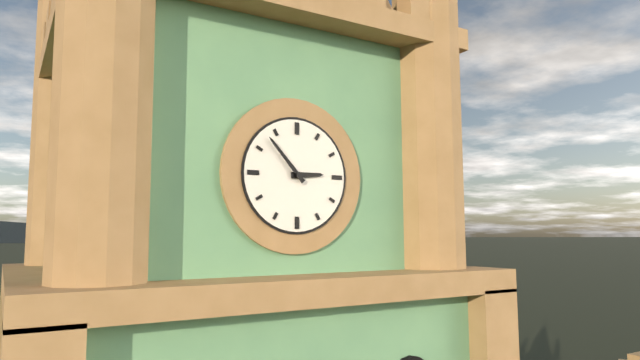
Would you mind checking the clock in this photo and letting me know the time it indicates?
2:53
